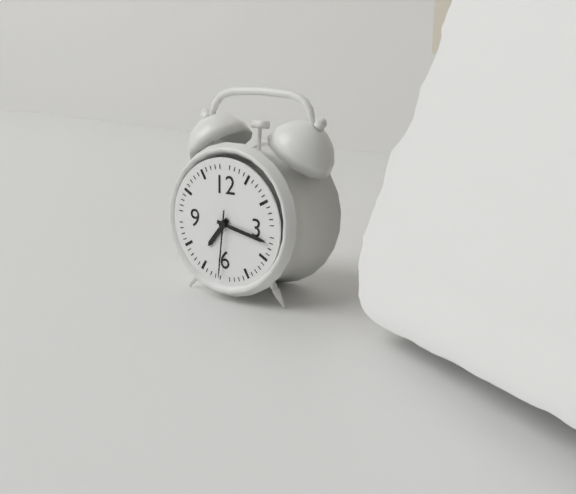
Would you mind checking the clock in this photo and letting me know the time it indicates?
7:17:31
